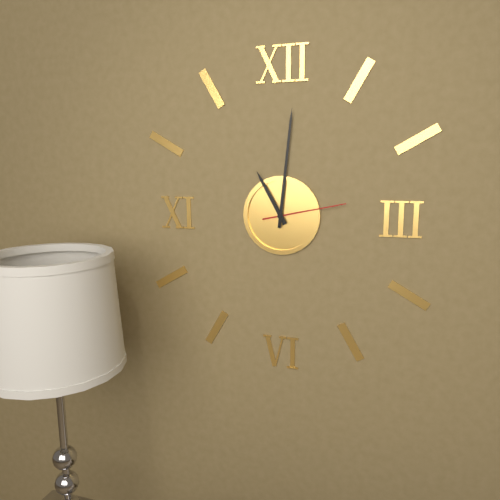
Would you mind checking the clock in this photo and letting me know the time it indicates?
11:01:13
